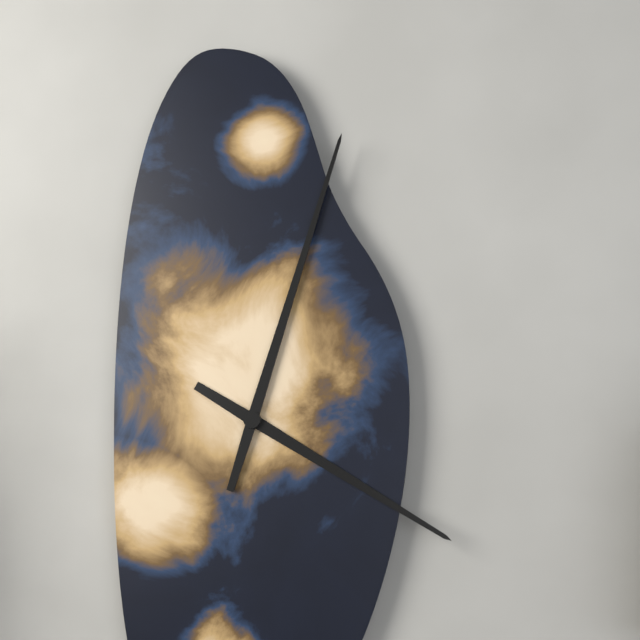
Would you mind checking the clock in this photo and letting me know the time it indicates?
4:03
